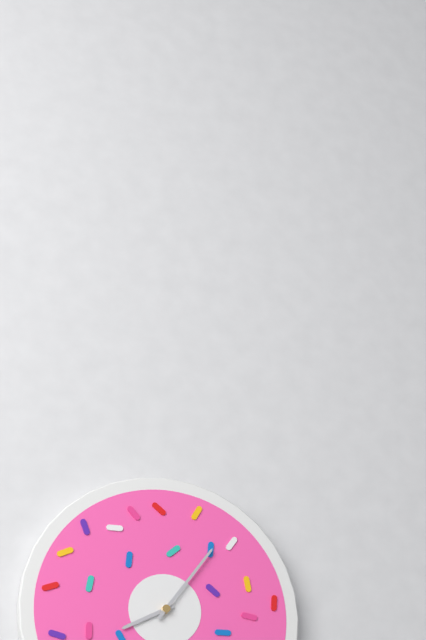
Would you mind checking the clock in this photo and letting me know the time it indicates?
8:06
